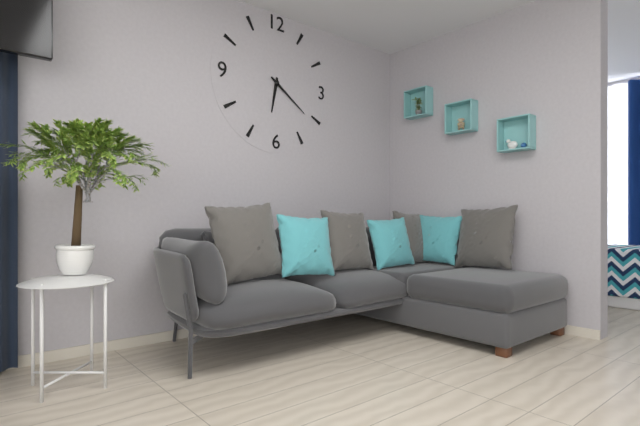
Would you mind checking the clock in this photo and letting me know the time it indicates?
6:21
